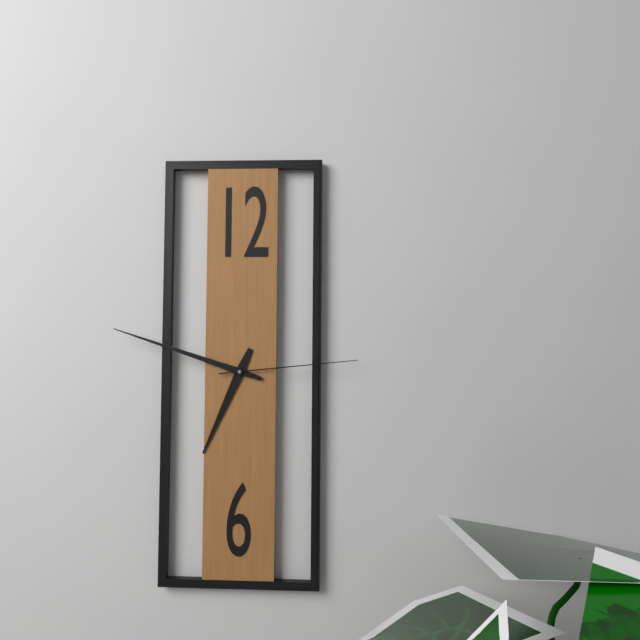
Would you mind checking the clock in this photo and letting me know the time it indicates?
6:48:14
